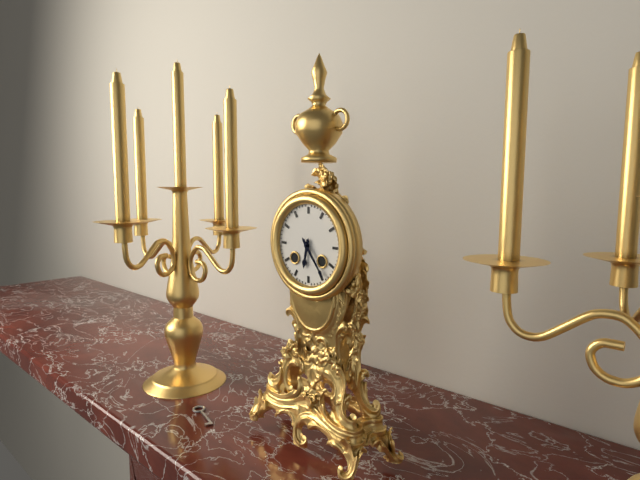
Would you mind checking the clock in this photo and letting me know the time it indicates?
6:24
